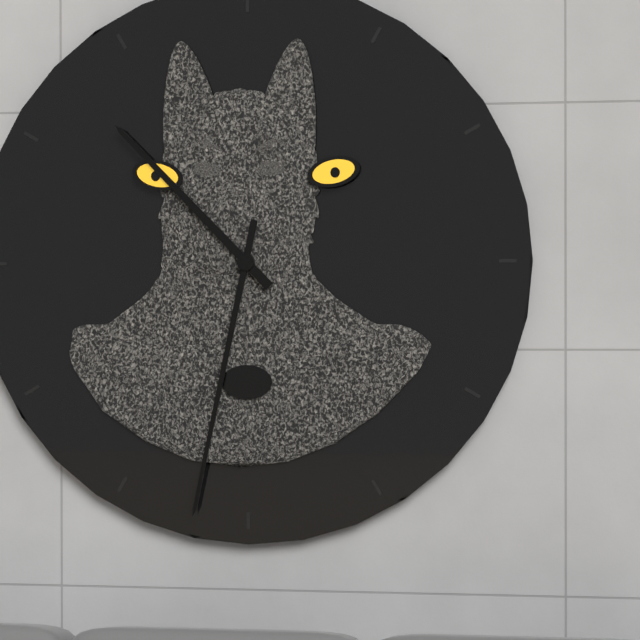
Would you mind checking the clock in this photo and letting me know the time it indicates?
10:32
